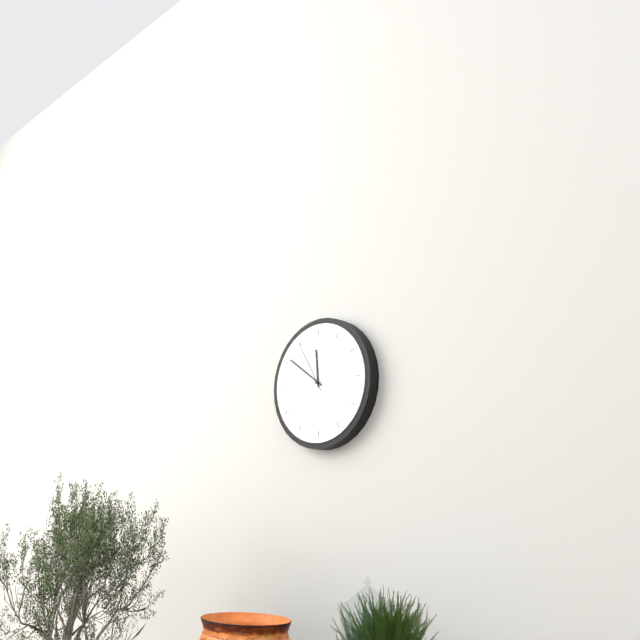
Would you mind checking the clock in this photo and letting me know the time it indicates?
11:51:55
